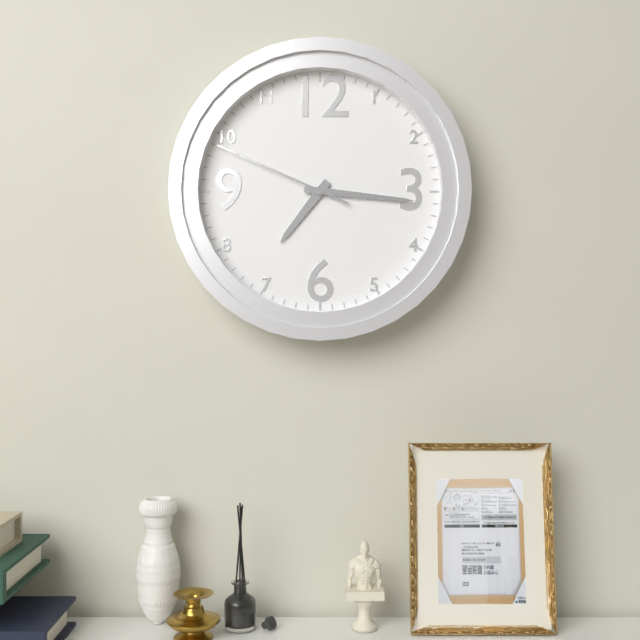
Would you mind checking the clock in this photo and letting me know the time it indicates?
7:16:49
